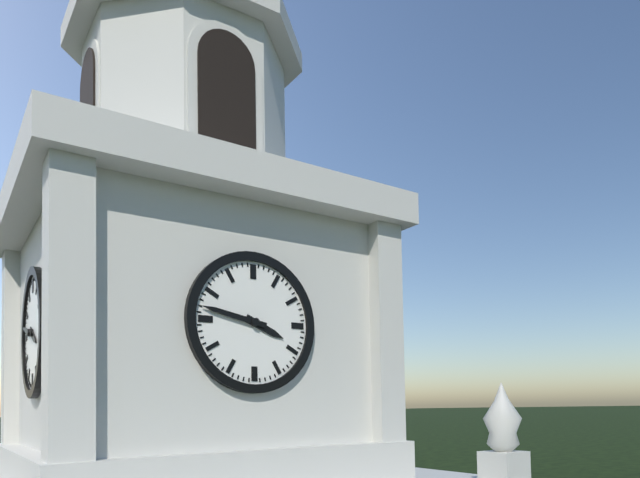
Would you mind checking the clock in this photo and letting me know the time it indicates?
3:47
